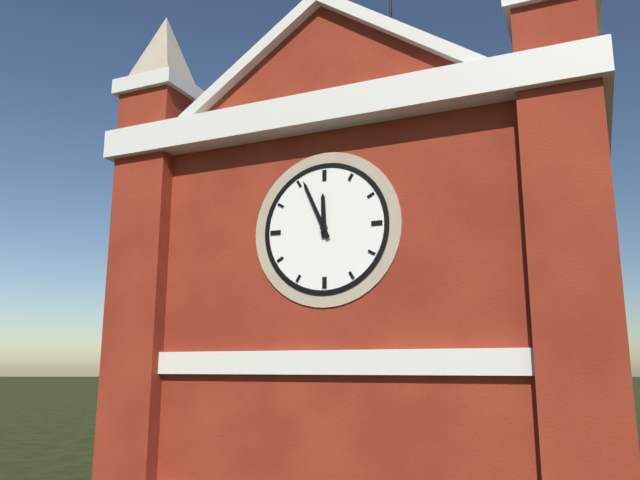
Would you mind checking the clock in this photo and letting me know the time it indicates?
11:56
